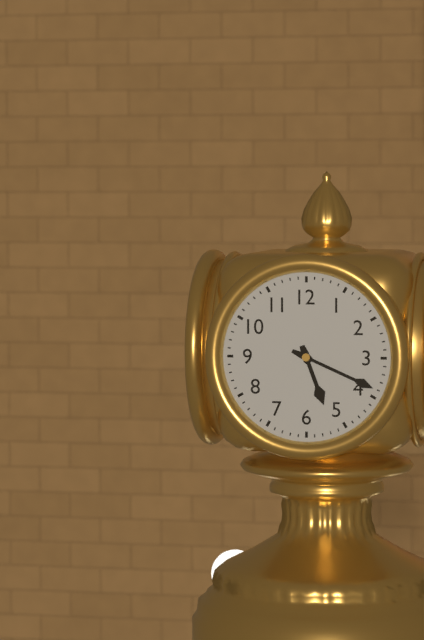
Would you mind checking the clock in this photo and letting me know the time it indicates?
5:19
